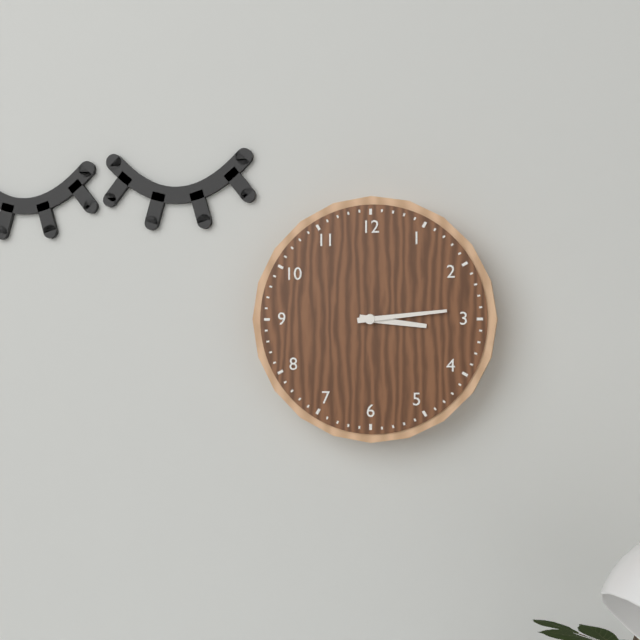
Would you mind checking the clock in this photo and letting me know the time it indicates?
3:14
